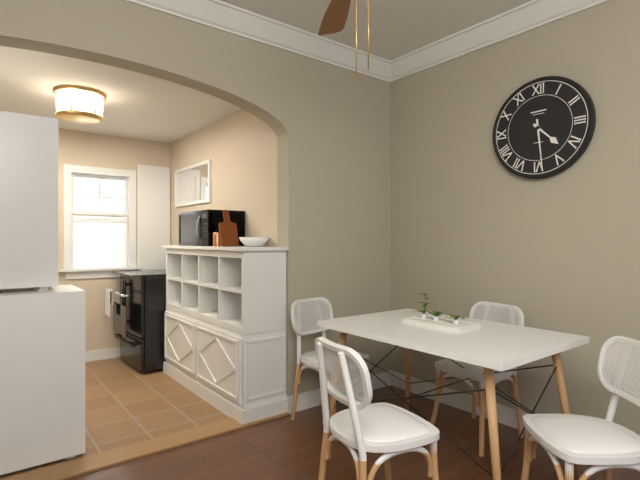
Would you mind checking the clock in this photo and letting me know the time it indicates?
4:29
